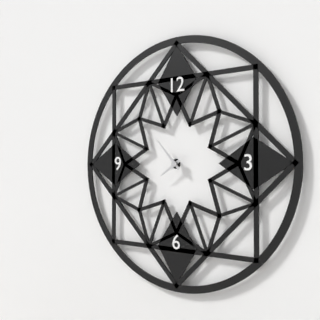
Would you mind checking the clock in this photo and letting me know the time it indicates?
7:53
